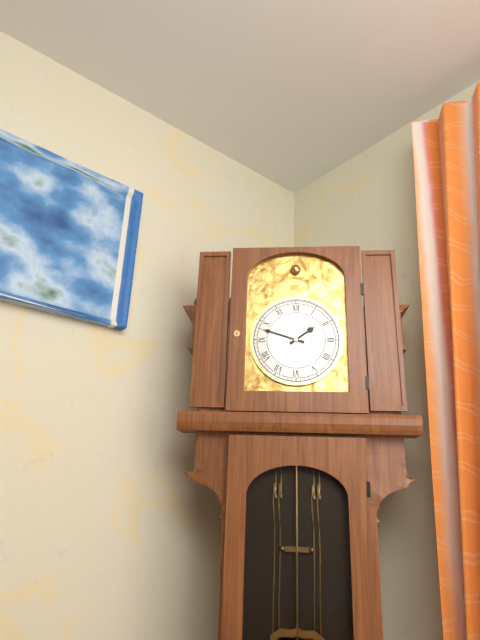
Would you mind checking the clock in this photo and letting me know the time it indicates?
1:48
